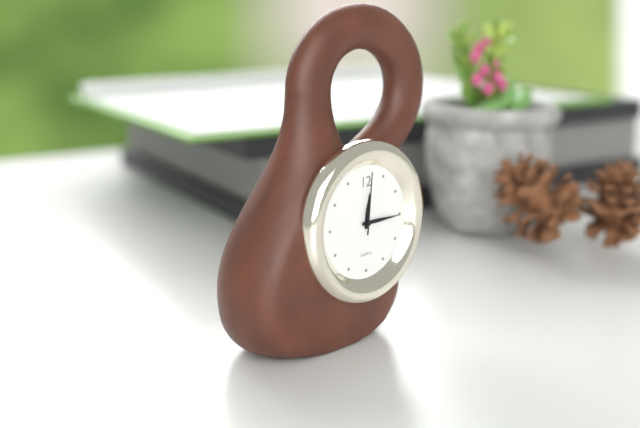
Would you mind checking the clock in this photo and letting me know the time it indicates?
12:15:01
